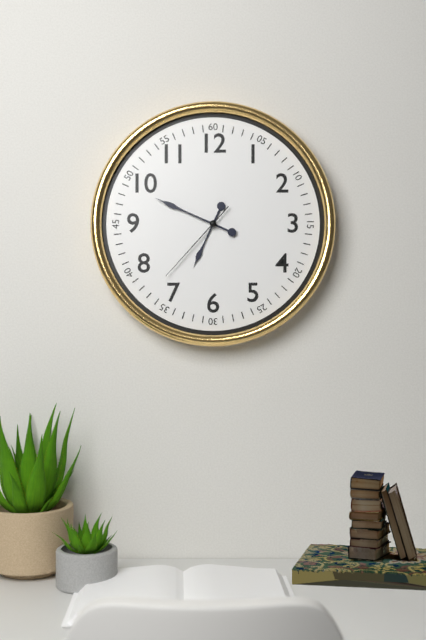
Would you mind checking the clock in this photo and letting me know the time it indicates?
6:49:37
